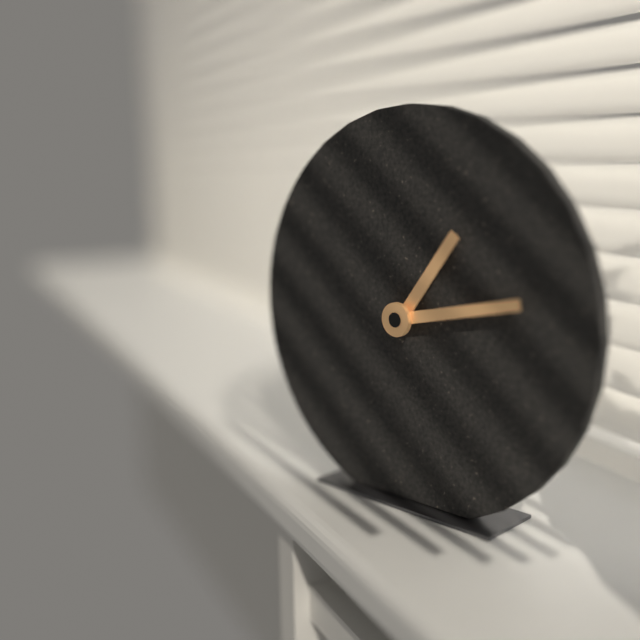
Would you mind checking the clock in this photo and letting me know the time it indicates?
1:13
